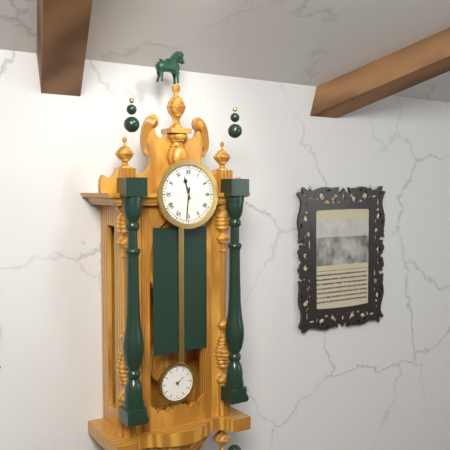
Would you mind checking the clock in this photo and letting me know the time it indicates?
11:31
